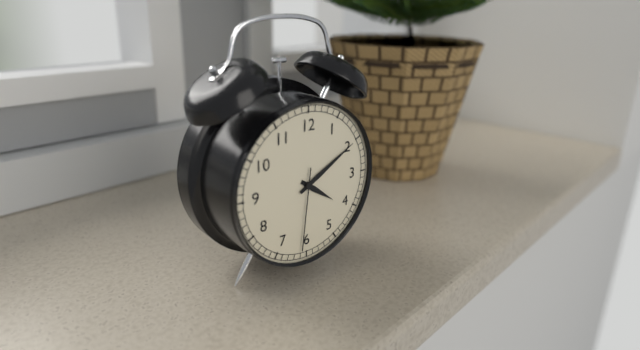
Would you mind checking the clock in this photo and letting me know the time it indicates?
4:10:31
